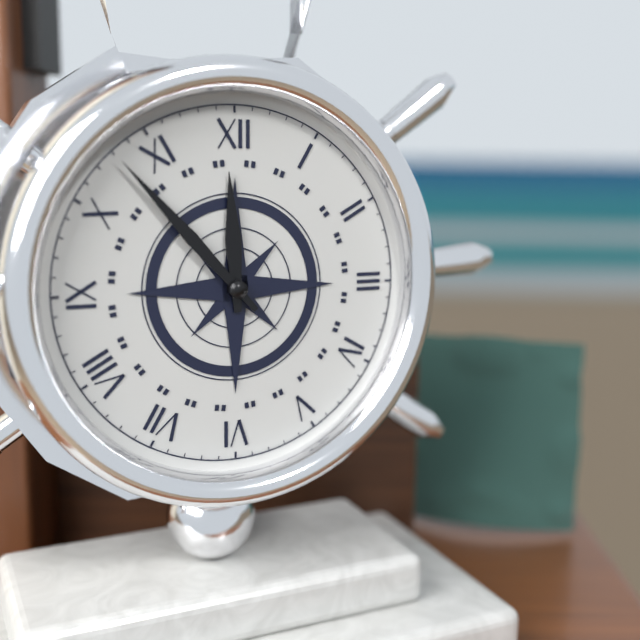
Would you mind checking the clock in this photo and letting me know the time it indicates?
11:53
